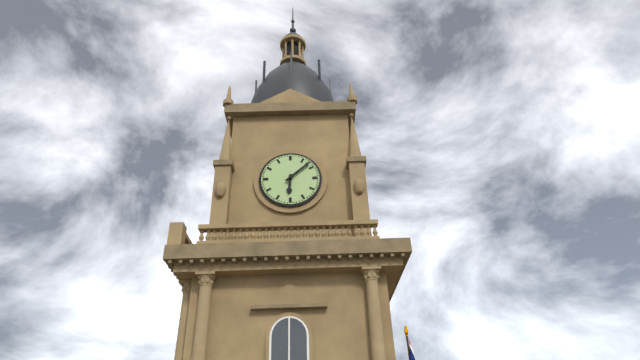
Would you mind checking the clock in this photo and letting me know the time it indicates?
6:08
